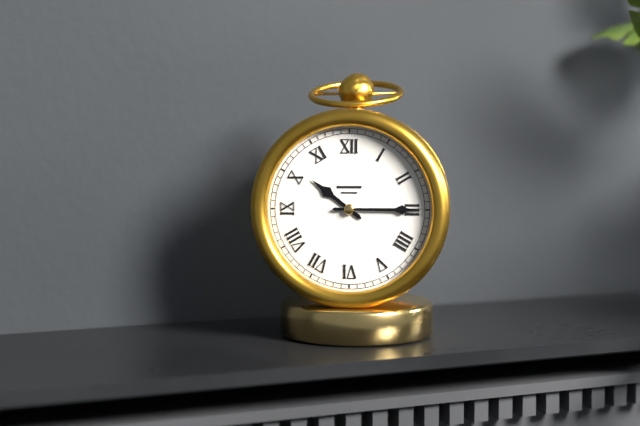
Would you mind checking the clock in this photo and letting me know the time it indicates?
10:15
